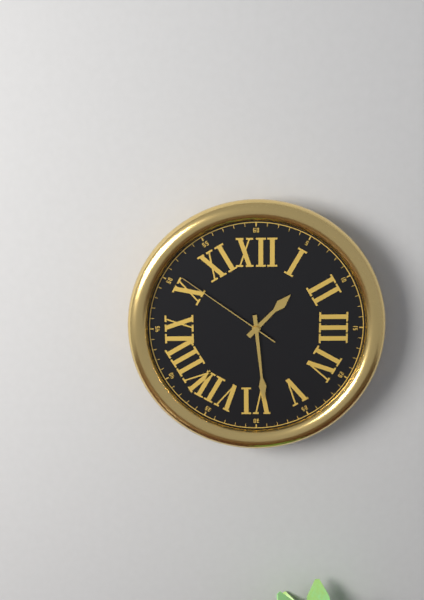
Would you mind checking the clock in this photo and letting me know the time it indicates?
1:29:51
